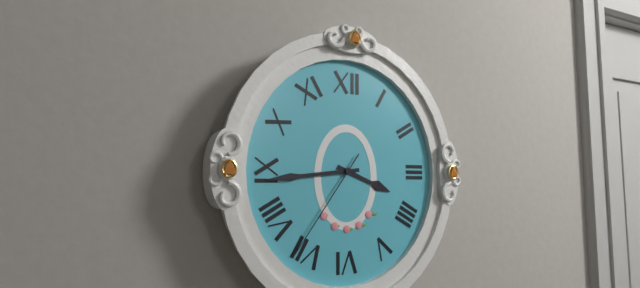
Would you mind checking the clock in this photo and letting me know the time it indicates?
3:44:36
